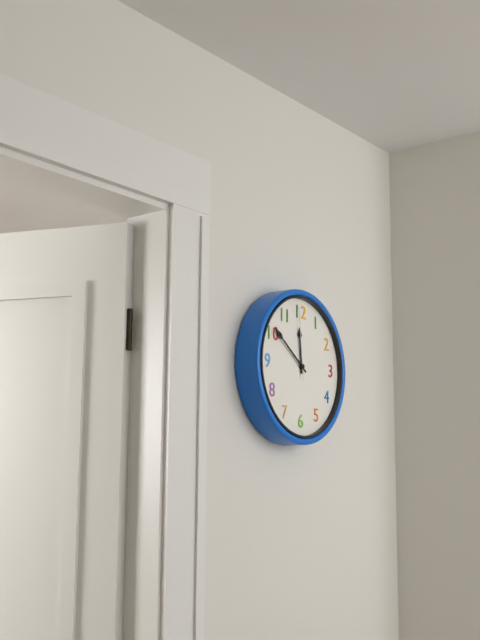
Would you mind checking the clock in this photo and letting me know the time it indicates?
11:51:59
